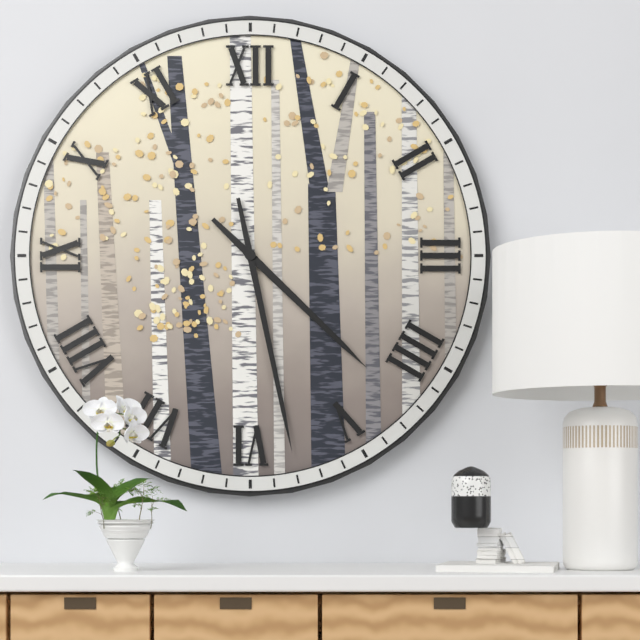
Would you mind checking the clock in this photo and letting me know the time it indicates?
4:28
